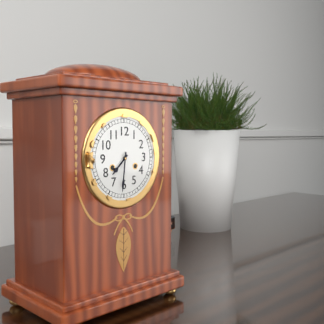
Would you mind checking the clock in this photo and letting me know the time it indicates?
7:31
